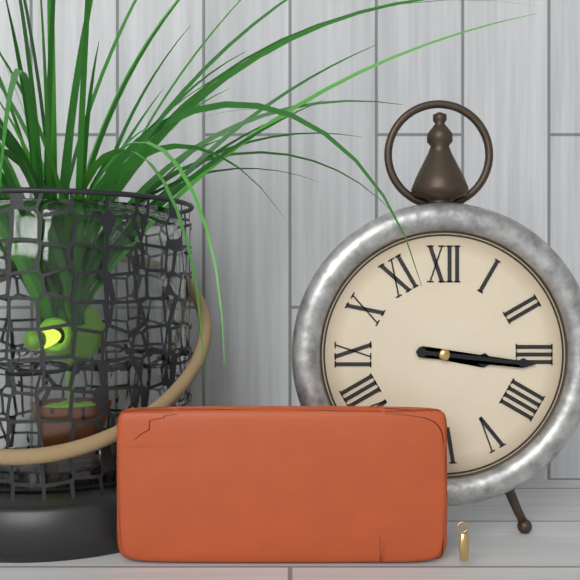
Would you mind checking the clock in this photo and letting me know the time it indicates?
3:16
